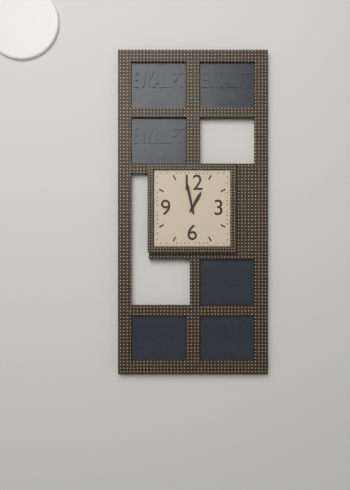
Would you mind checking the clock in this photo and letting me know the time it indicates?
12:58
